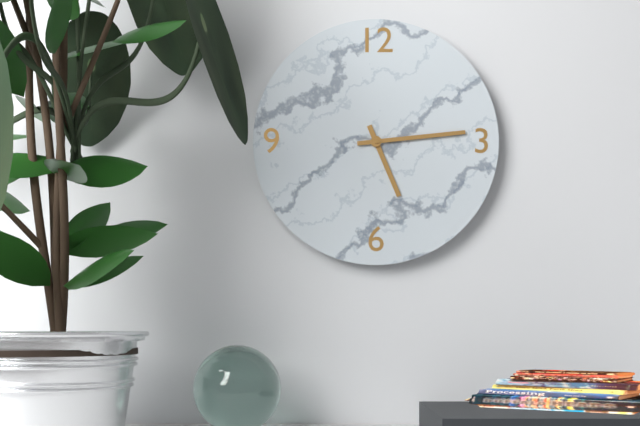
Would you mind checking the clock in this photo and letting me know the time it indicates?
5:14
